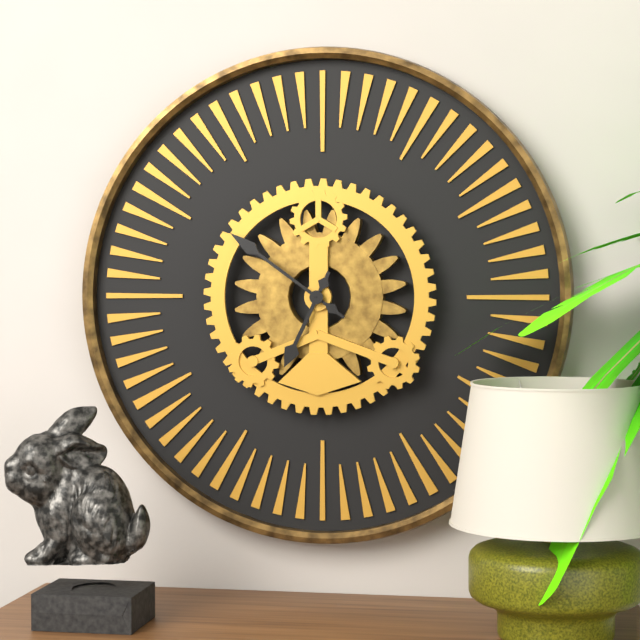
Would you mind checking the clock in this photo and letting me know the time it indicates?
6:51
